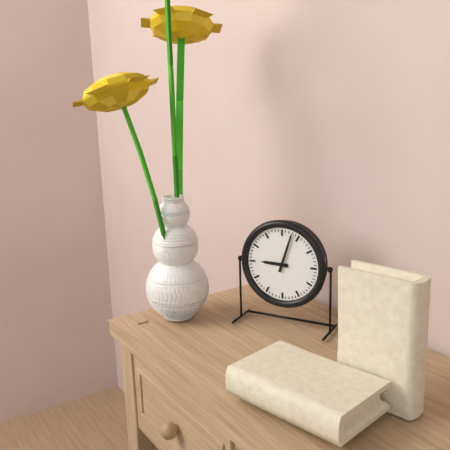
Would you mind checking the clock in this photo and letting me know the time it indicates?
9:03
